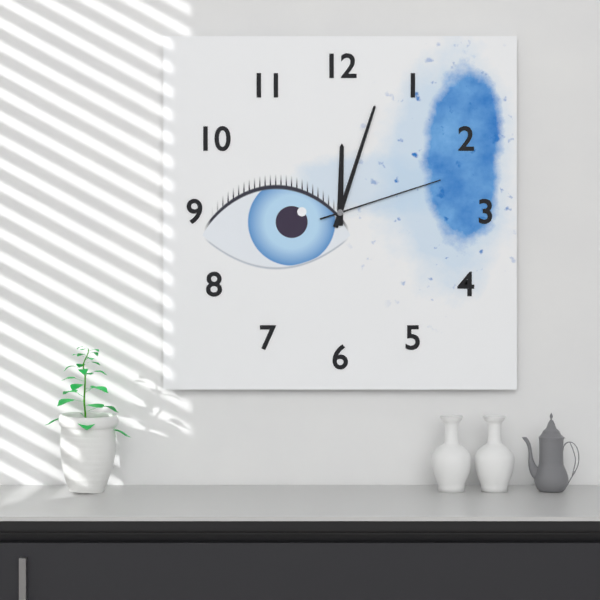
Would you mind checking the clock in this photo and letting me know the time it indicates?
12:03:12
